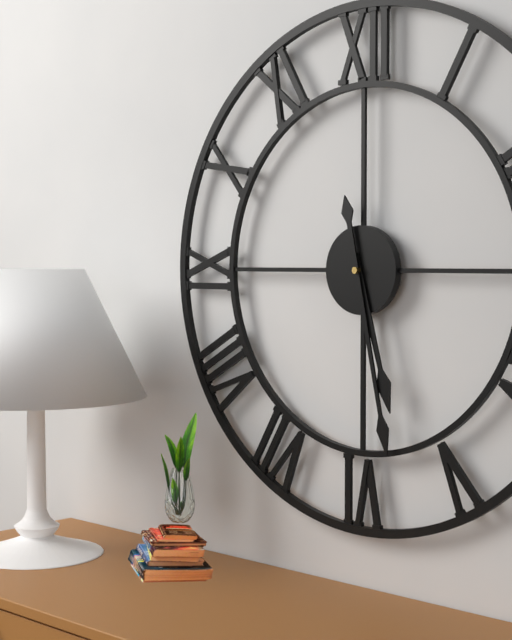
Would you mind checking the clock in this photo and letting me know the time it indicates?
5:28
